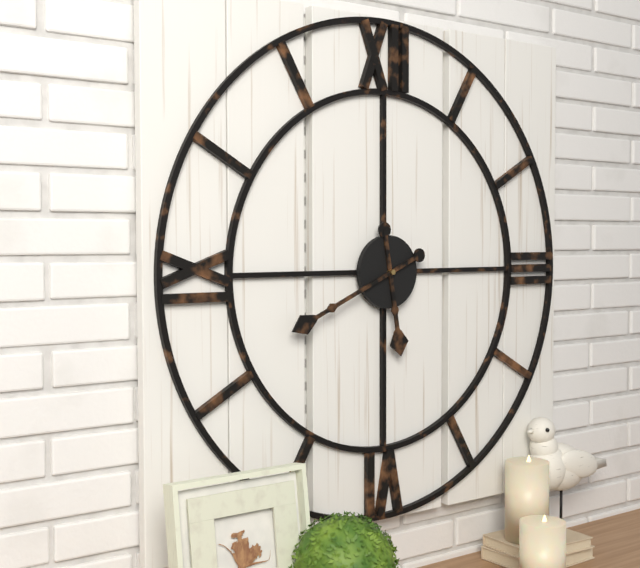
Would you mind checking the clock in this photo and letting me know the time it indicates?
5:41
